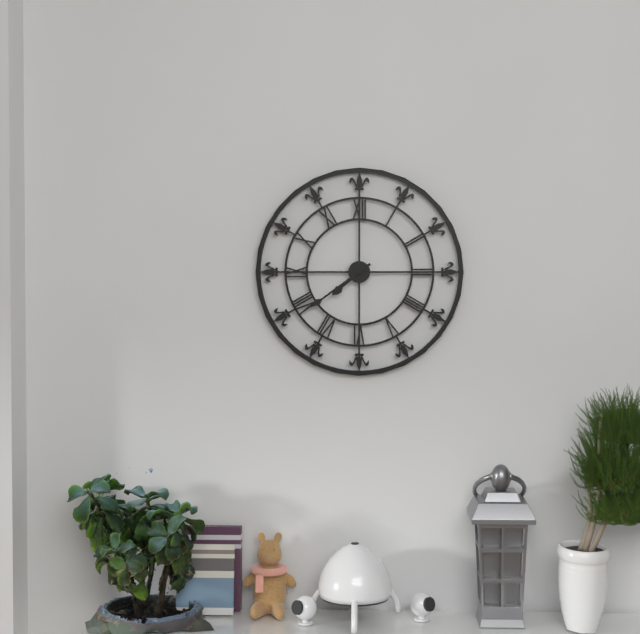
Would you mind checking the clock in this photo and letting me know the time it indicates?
7:39
